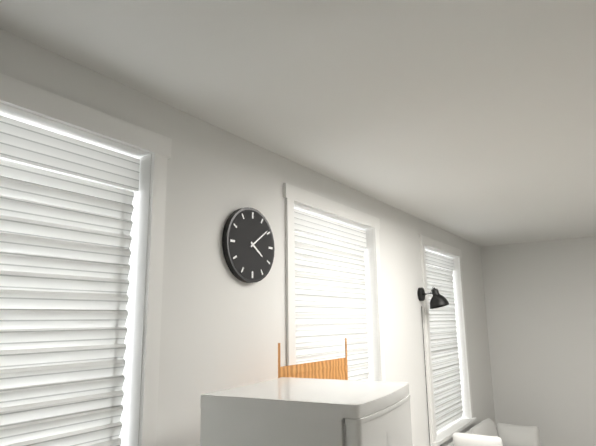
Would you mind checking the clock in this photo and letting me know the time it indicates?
4:09
